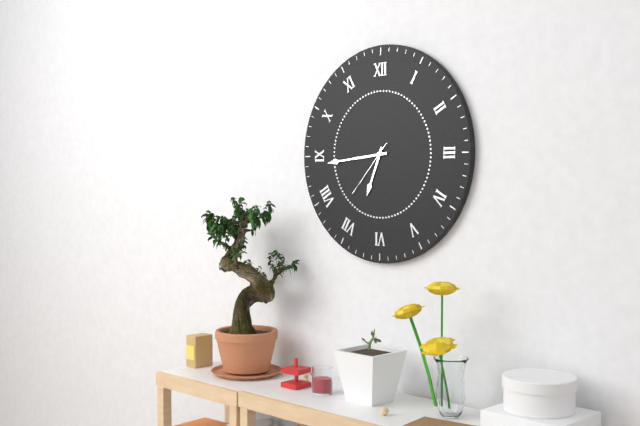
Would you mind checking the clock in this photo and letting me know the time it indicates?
6:44:37
